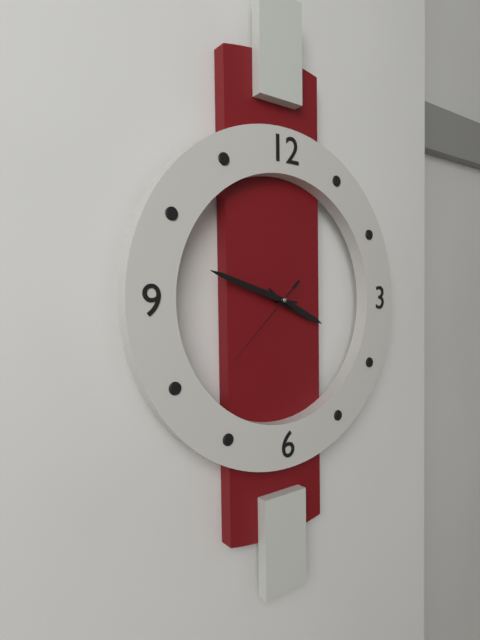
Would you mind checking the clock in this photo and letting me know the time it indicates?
3:48:38
